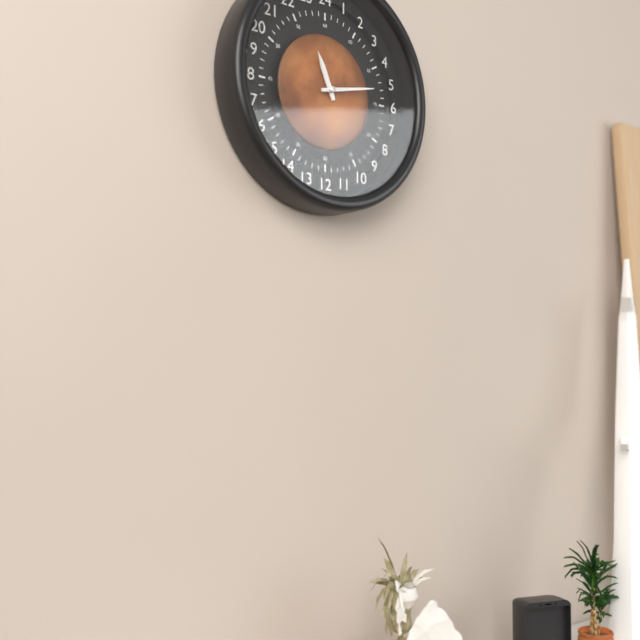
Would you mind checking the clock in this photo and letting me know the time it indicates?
11:13
